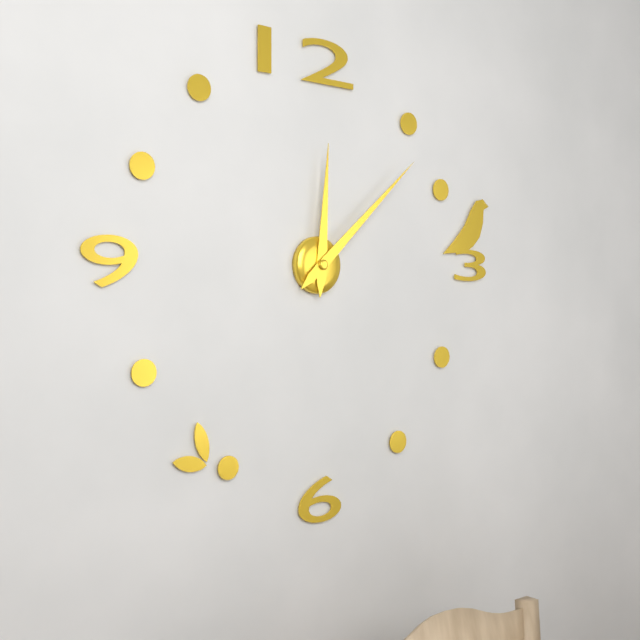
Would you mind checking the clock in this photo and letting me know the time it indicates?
12:08
